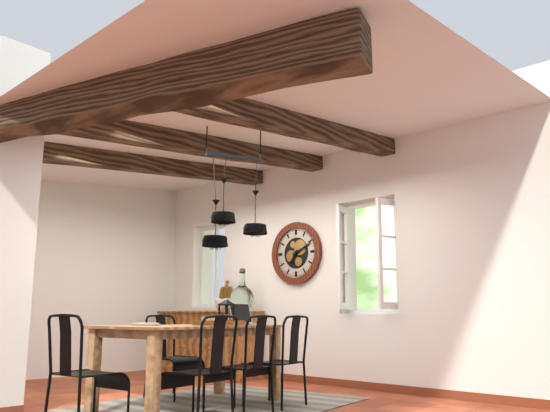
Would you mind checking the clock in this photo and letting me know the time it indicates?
7:11
